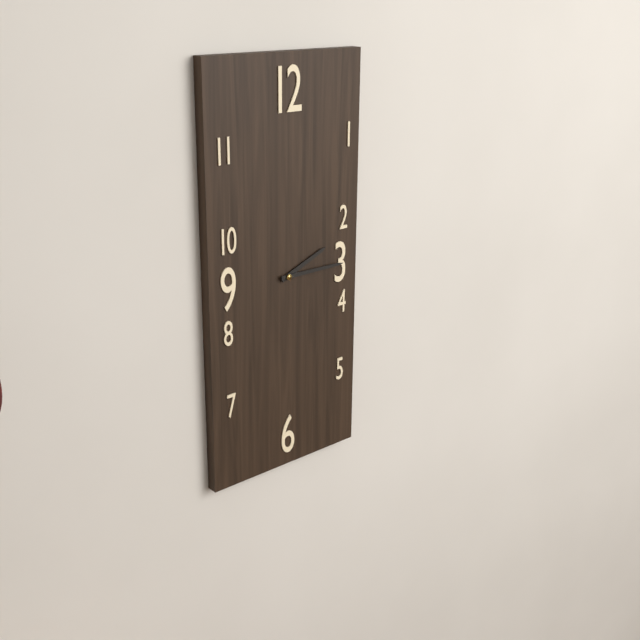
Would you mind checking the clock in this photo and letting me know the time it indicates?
2:15
